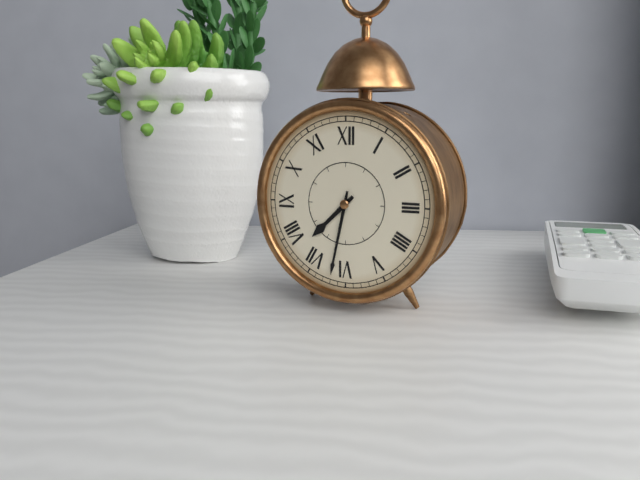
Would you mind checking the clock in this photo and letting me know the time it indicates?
7:32
